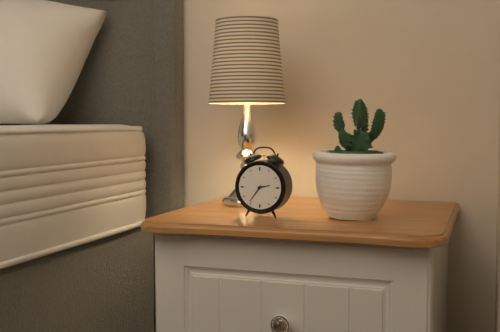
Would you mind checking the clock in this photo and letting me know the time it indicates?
2:36
